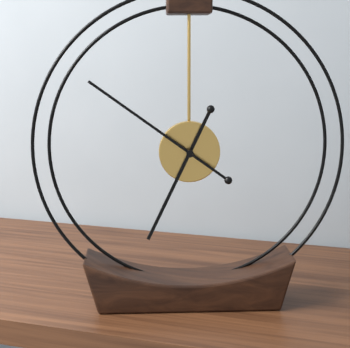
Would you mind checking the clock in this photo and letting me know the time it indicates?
6:51
